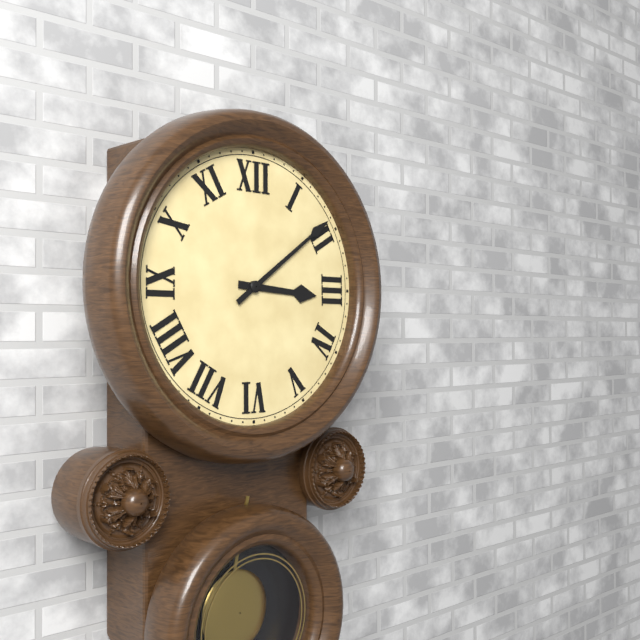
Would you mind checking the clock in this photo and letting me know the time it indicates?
3:09
